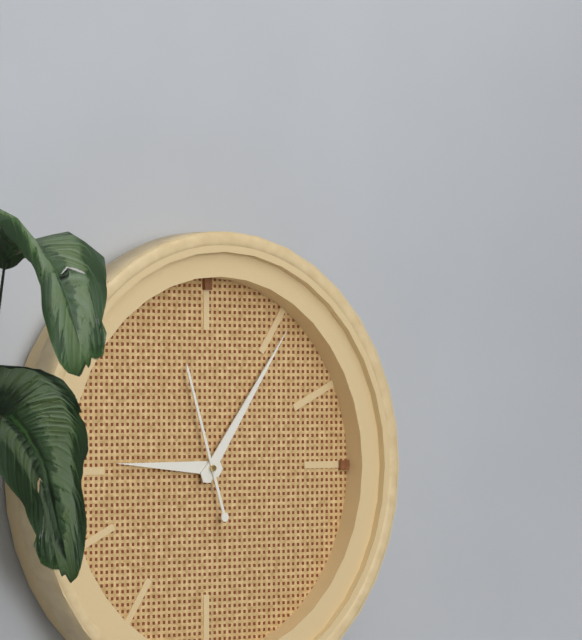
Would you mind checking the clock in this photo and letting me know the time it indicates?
9:06:57
